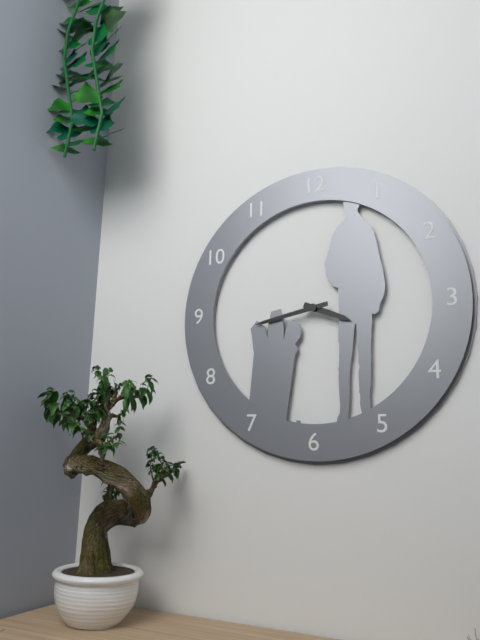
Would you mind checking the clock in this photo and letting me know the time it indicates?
3:43
